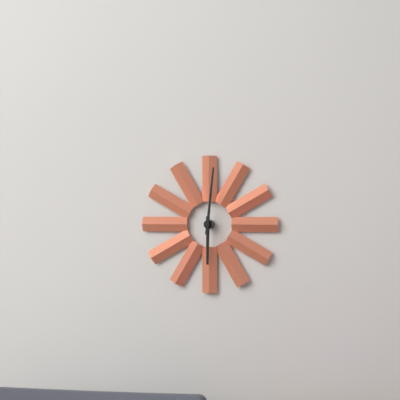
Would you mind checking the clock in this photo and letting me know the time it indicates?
6:01
